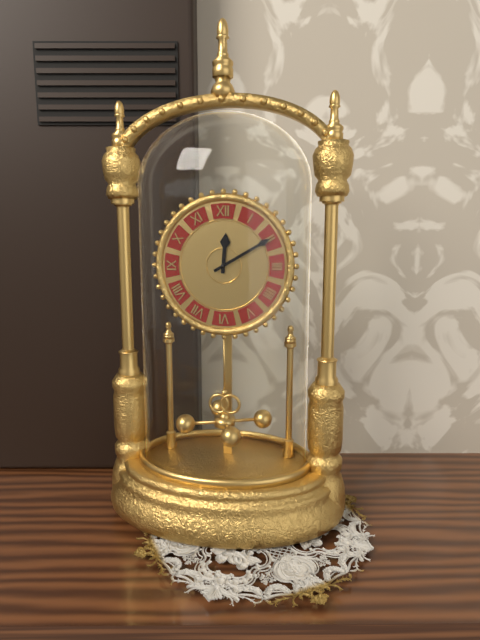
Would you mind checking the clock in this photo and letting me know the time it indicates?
12:10
